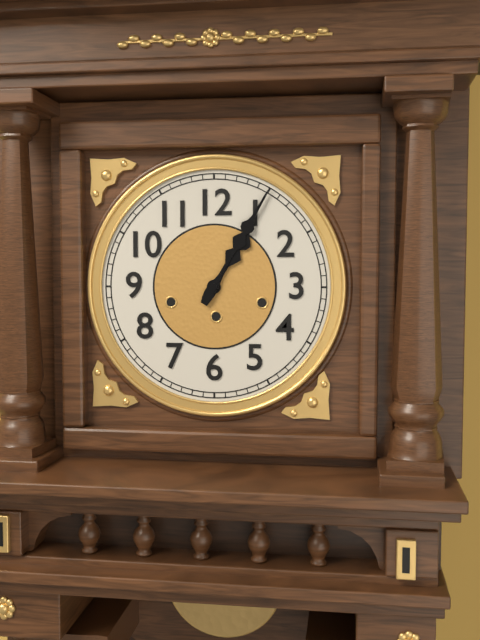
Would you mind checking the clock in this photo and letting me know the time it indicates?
1:05
